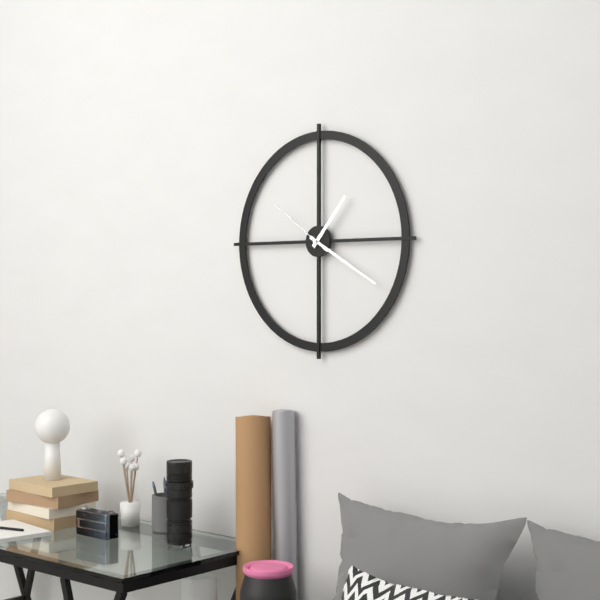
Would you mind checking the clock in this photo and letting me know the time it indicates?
1:20:51
